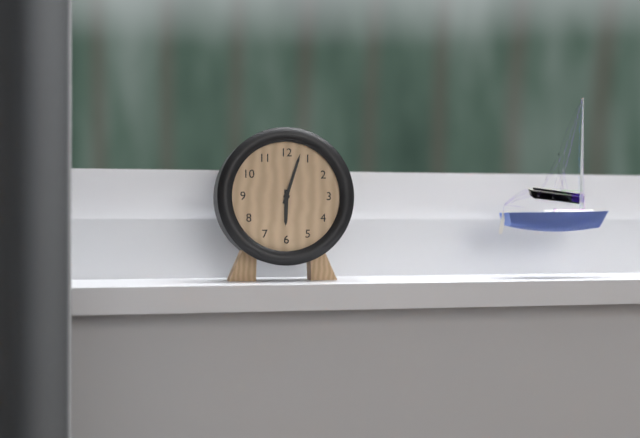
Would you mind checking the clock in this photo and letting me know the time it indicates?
6:03
